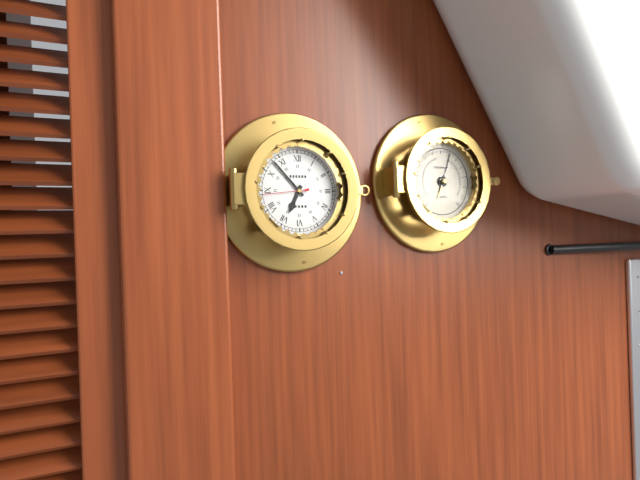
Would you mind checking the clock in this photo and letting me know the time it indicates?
6:53
